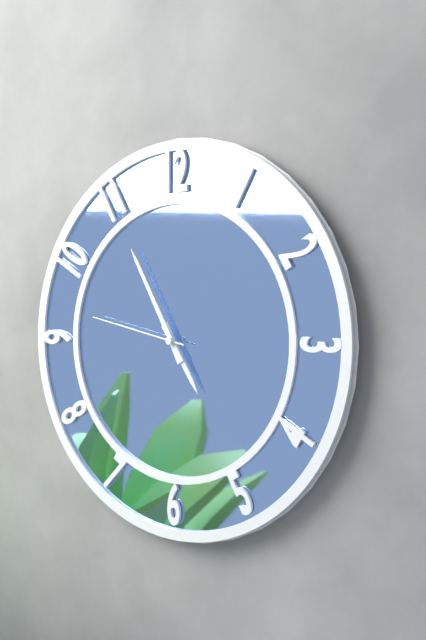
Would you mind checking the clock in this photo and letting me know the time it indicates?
4:55:47
